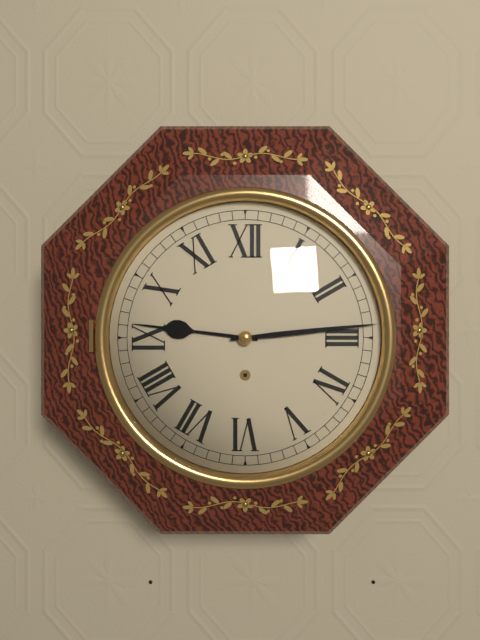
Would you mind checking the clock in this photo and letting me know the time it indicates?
9:14
